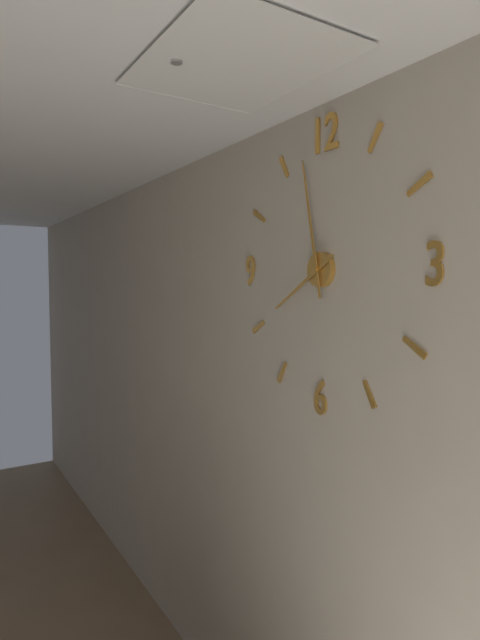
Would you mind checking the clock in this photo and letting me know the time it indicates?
7:58
